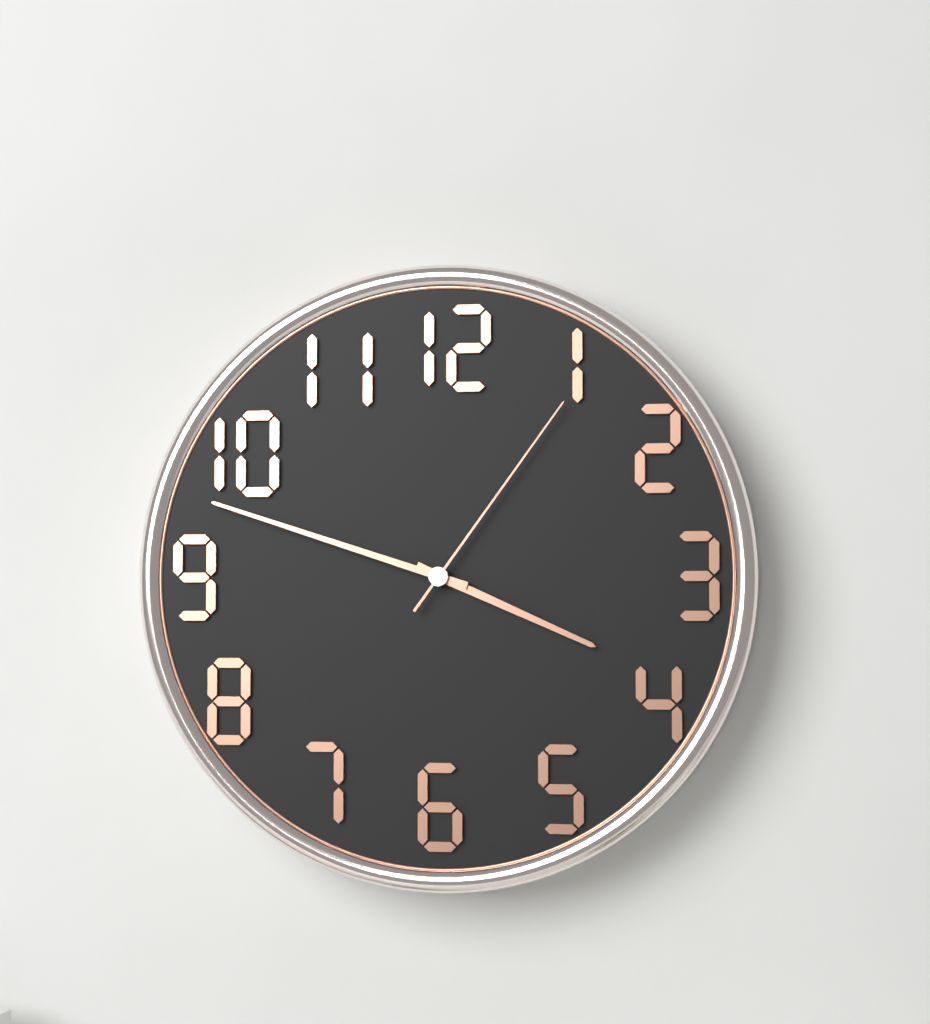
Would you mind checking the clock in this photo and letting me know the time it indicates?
3:48:06
